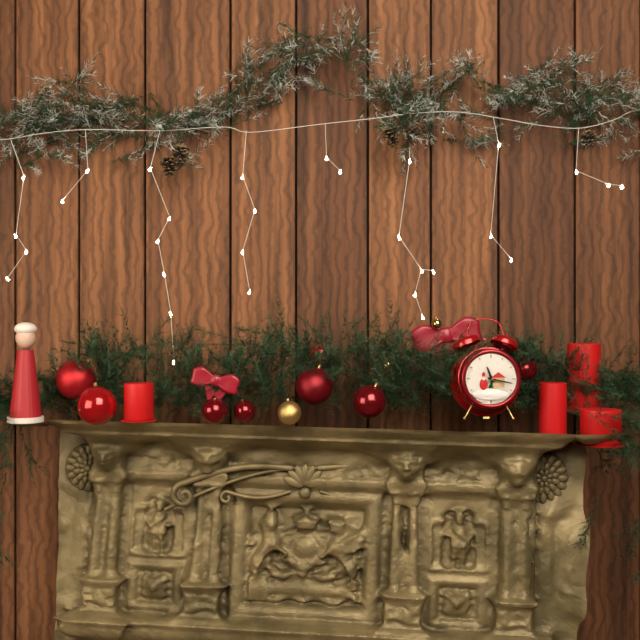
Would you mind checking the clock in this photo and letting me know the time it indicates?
11:17
